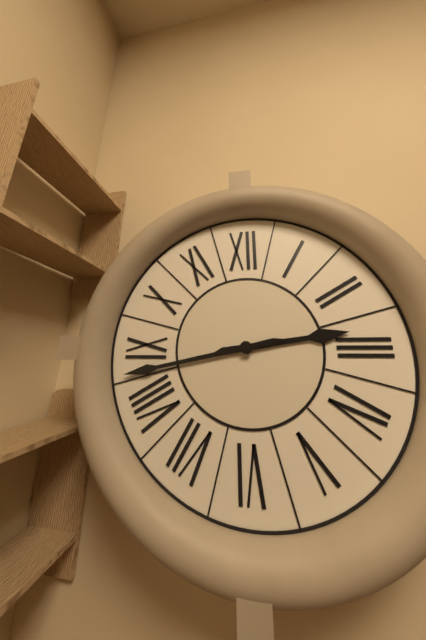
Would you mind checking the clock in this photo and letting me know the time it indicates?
2:43
